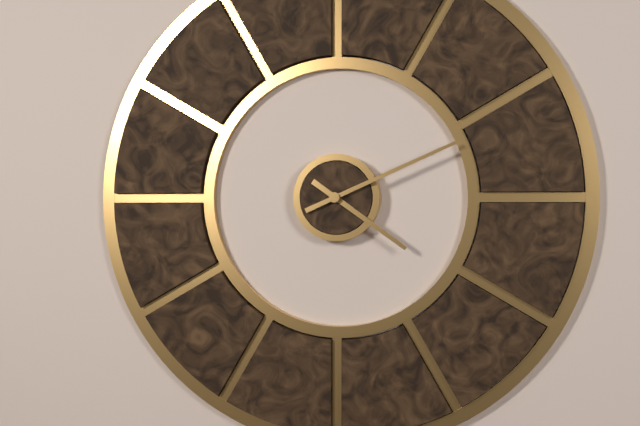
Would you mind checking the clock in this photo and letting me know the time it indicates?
4:11
